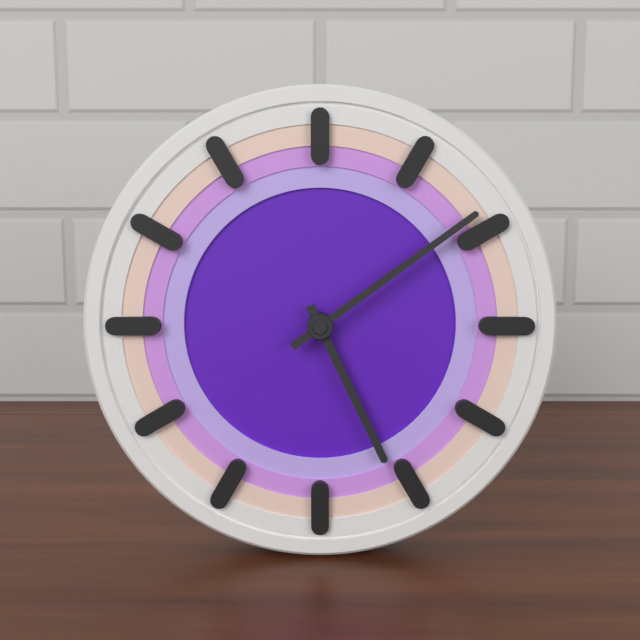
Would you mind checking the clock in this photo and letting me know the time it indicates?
5:09
